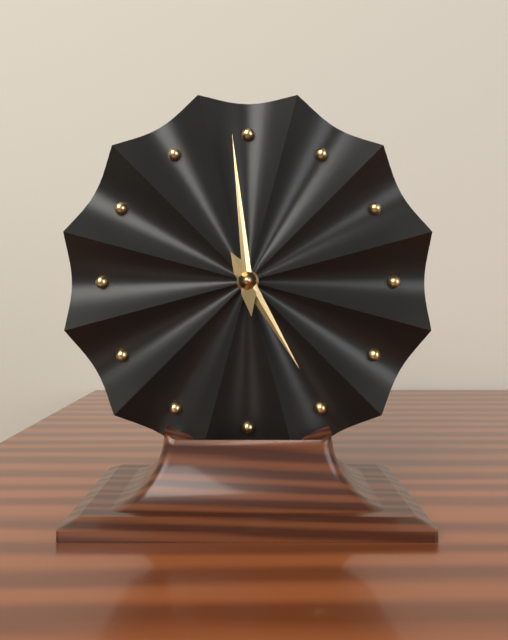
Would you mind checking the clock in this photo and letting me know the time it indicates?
4:59
